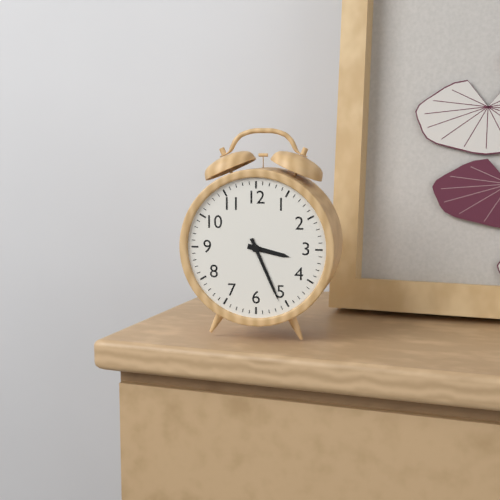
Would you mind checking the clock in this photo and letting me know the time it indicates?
3:26
